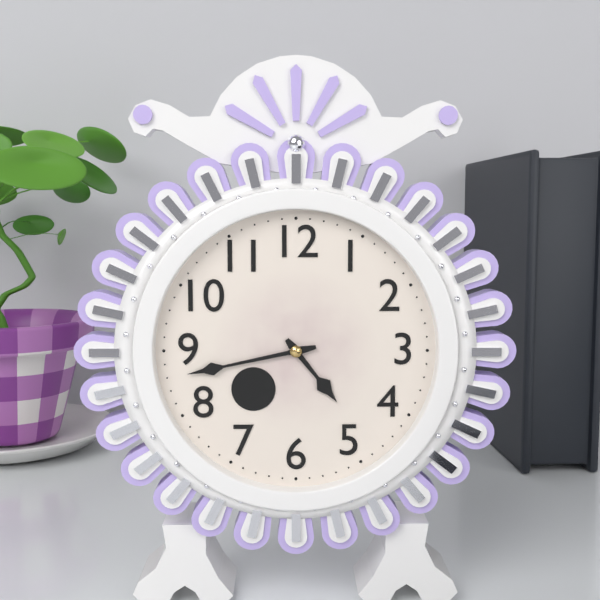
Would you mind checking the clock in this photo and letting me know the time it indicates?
4:43
